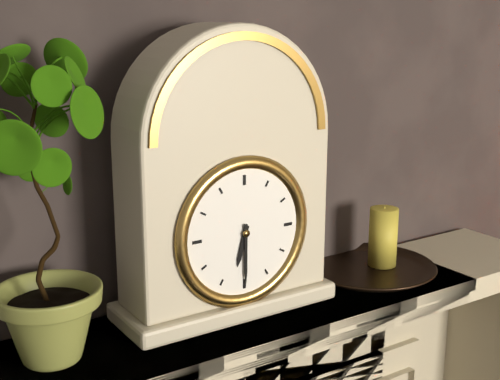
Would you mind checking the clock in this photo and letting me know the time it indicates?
6:30
